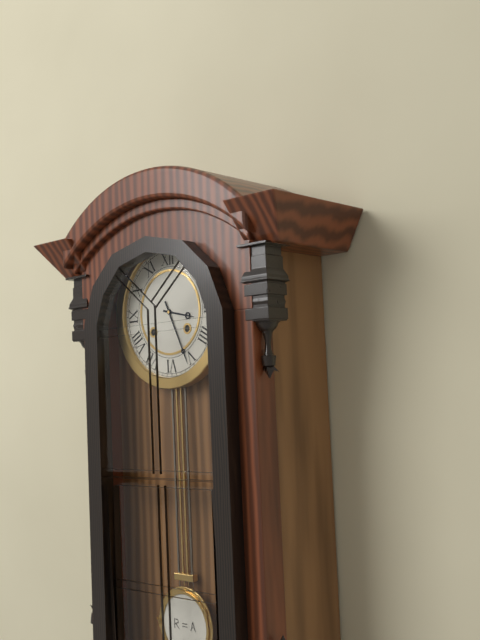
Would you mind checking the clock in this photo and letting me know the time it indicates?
3:26
